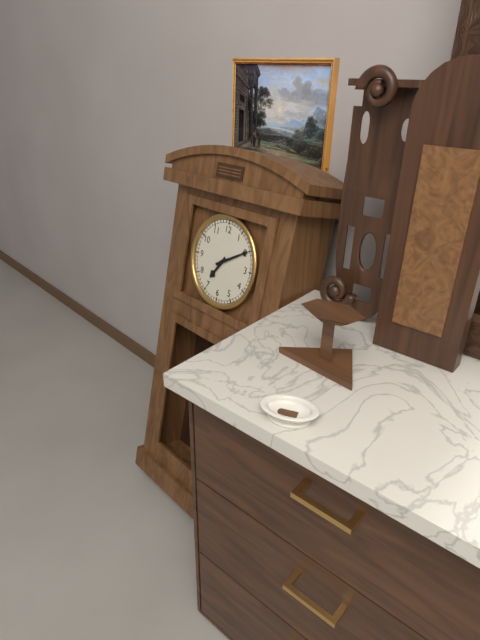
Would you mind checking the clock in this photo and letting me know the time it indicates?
7:10
